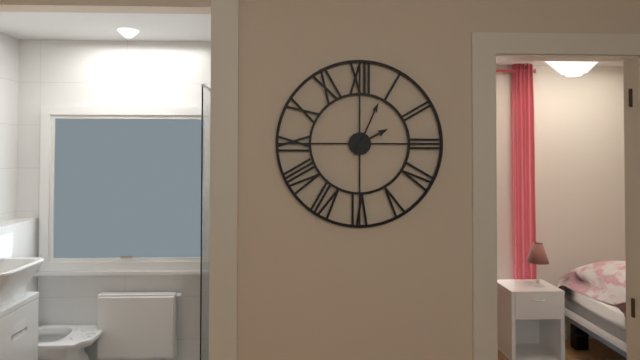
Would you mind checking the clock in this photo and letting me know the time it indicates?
2:04
